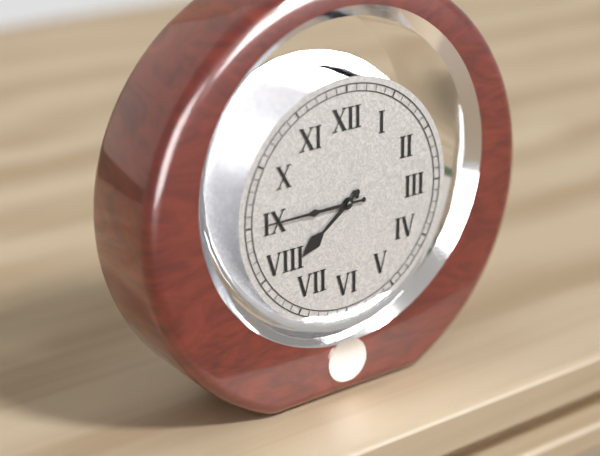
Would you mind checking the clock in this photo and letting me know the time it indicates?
7:45
